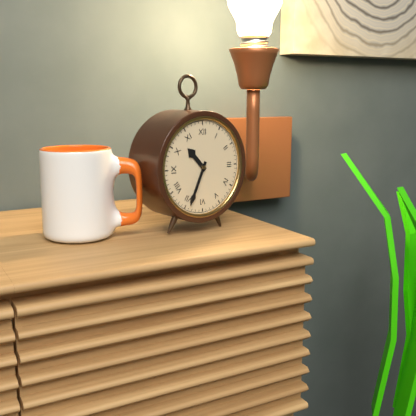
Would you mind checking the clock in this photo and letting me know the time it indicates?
10:34
